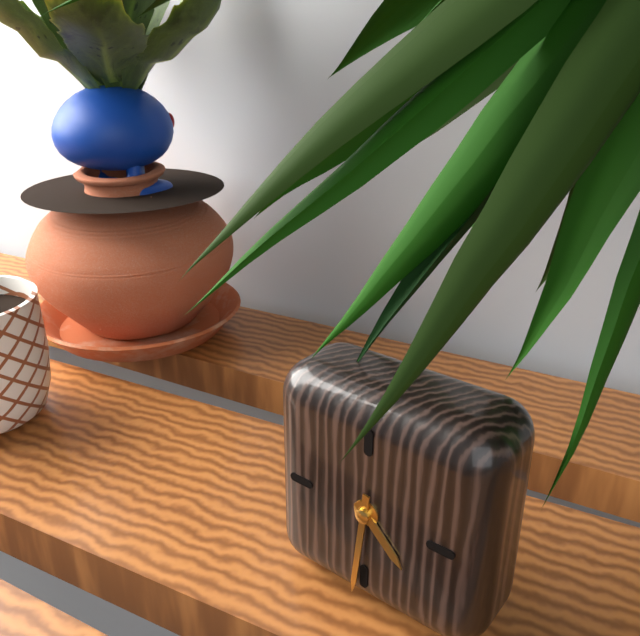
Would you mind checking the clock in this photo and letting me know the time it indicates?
4:31
